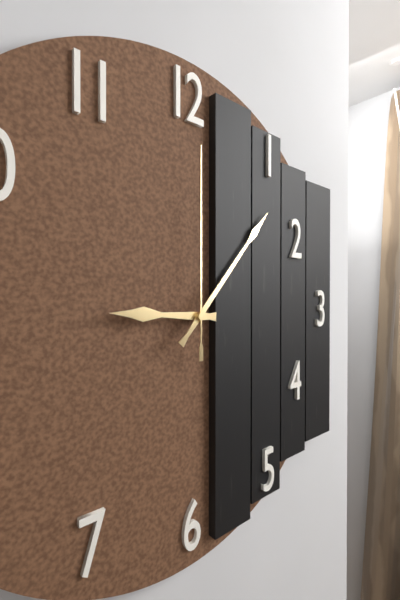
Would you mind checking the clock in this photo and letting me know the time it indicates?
9:07:00
